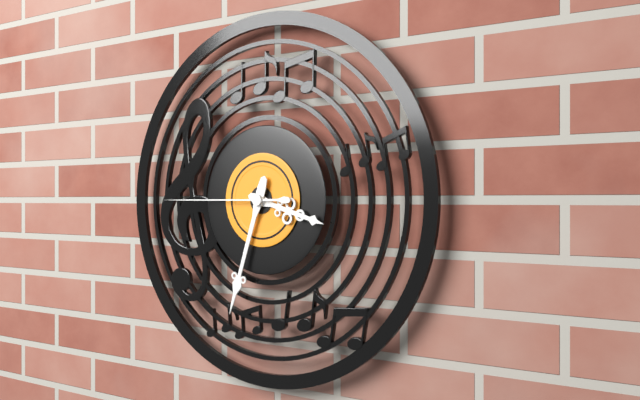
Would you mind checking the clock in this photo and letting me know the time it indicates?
3:33:45
